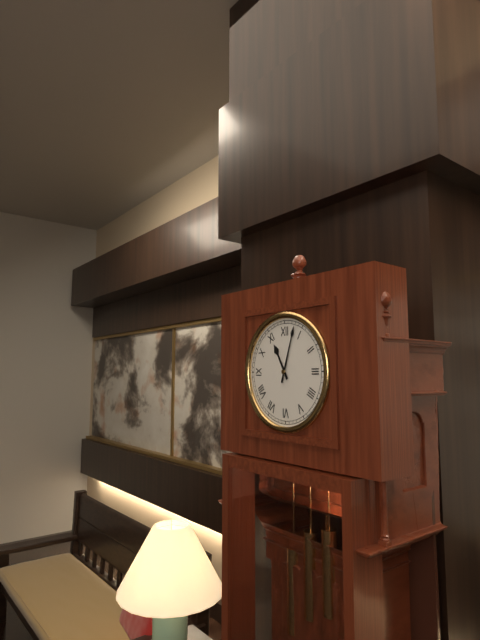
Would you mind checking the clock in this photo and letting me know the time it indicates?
11:03
